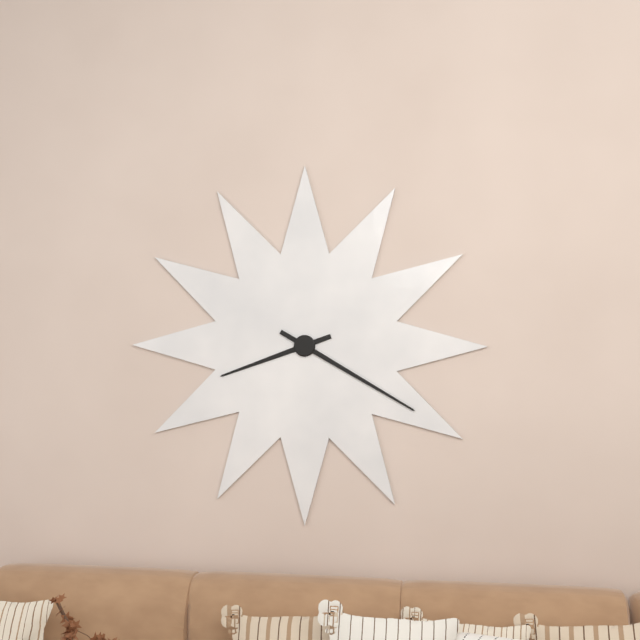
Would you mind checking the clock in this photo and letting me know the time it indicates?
8:20
